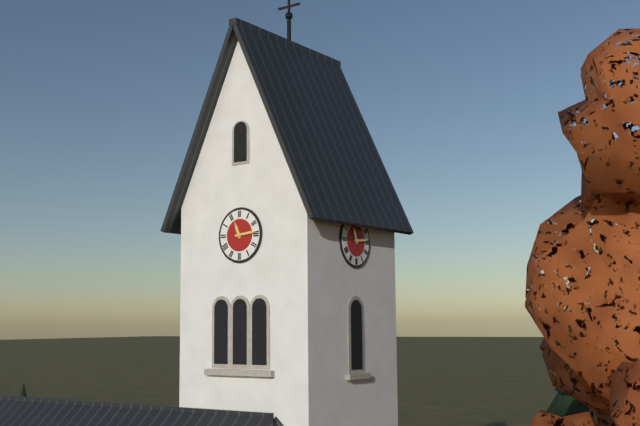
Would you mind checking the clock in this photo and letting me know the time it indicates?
11:14
